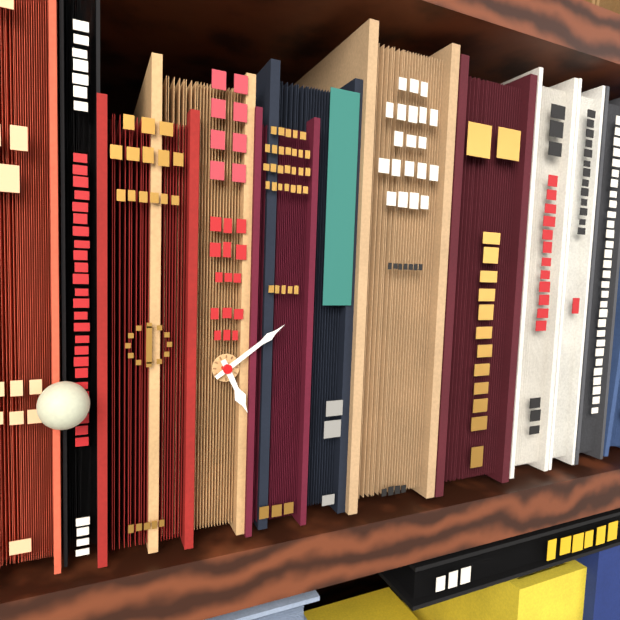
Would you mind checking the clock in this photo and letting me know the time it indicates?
5:09
